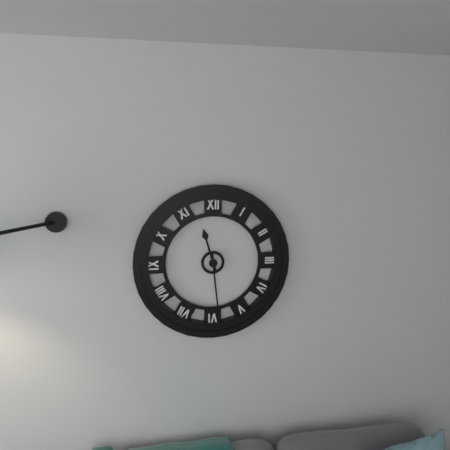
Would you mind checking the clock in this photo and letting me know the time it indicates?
11:29
